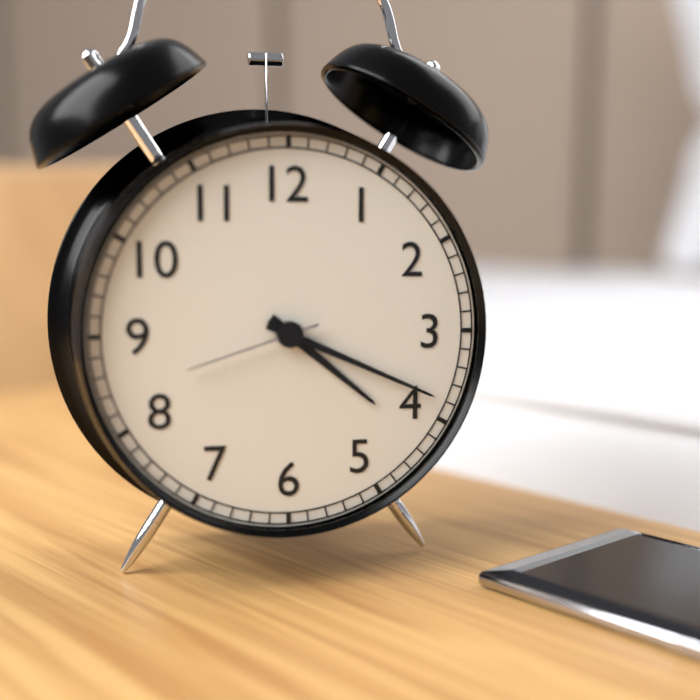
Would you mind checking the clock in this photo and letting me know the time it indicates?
4:19:42
